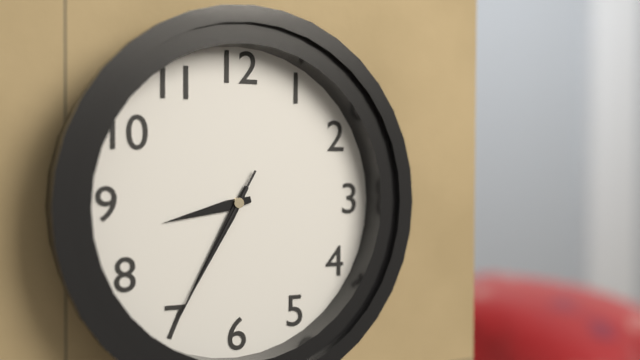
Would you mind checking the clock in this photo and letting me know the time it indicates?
8:35:35
